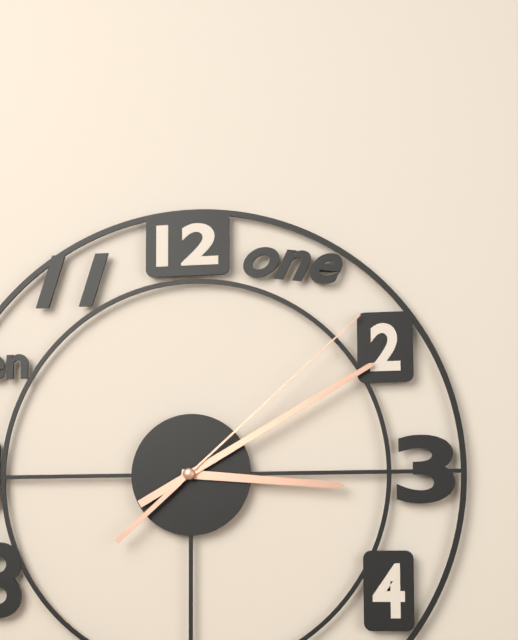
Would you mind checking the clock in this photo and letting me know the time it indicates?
3:10:08
